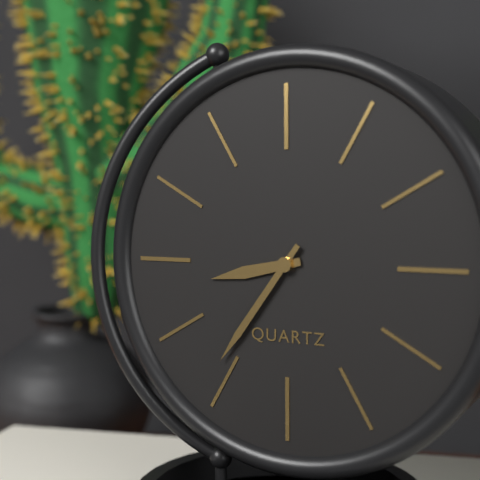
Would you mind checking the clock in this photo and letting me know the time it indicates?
8:36
